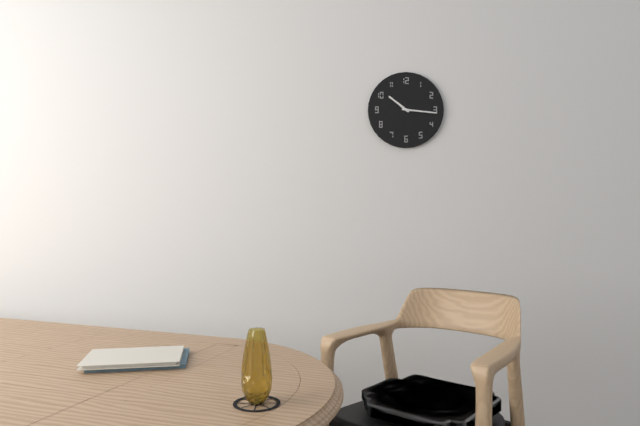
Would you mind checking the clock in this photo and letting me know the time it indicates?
10:16
